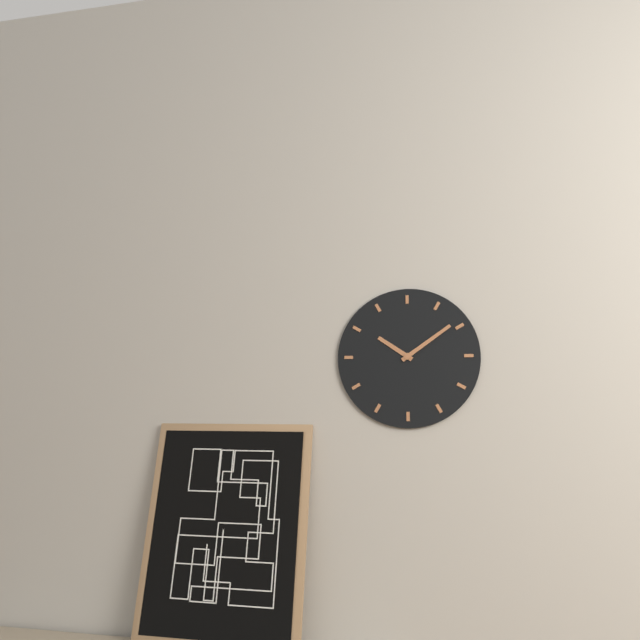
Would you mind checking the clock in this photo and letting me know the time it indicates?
10:09
